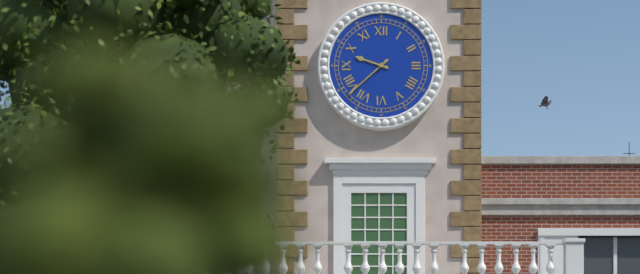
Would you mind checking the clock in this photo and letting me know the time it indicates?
9:38
